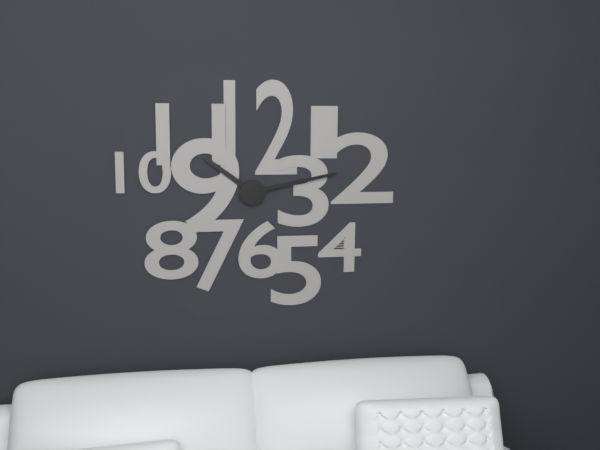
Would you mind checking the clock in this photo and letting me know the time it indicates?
10:13
